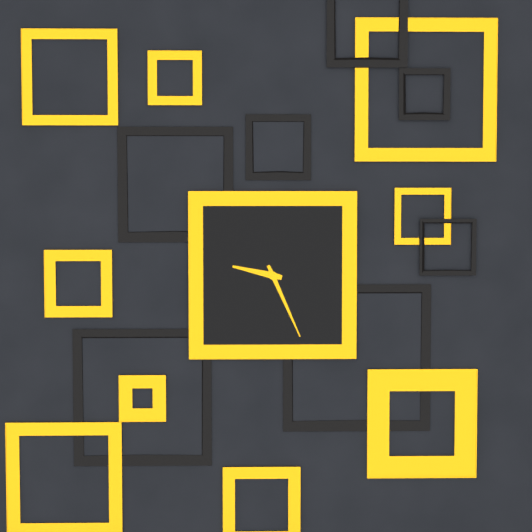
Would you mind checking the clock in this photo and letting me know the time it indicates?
9:26
